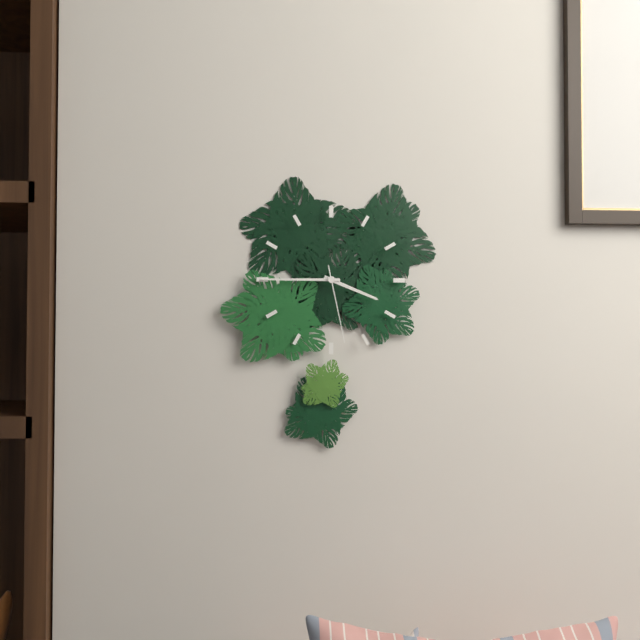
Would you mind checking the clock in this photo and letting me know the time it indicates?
3:45:28
